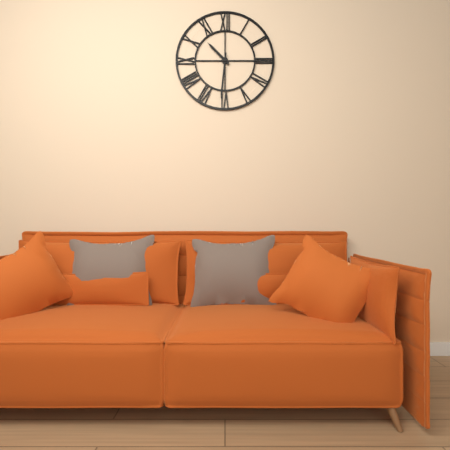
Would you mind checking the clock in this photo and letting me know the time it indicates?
10:31
